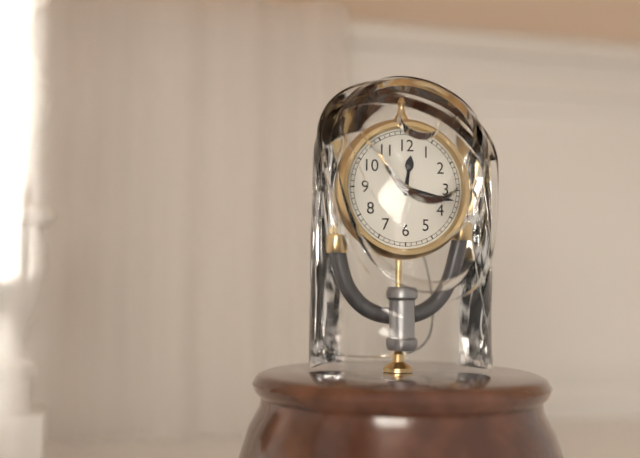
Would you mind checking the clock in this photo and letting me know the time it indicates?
12:17
